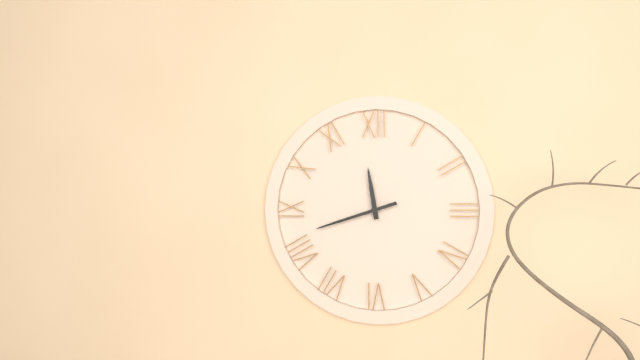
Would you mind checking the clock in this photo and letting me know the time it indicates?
11:42
